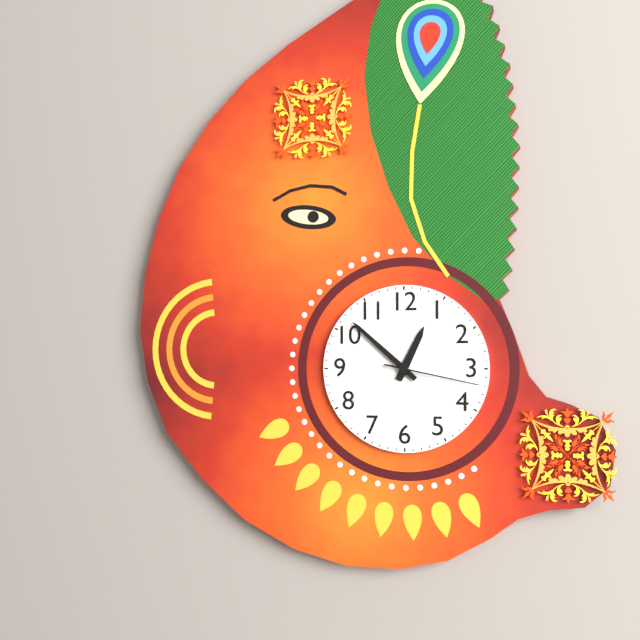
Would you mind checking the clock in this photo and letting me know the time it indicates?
12:52:17
